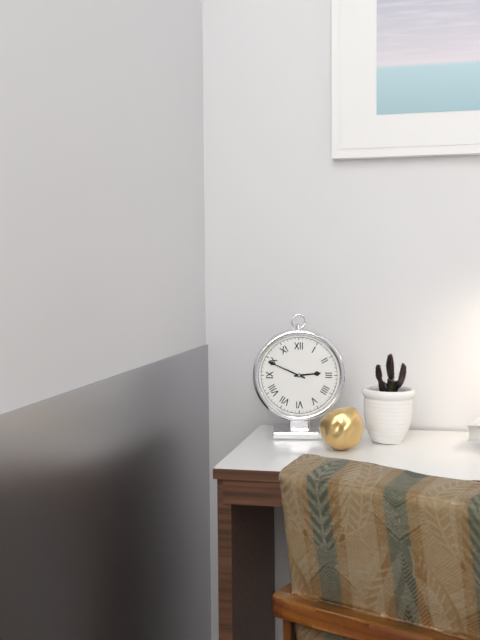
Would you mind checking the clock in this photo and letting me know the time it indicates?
2:49
